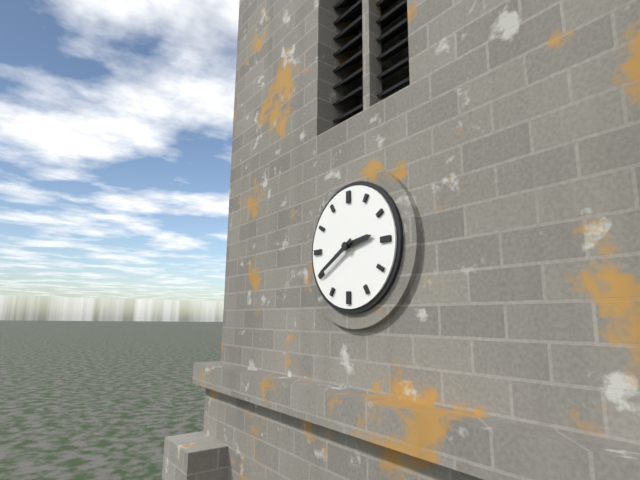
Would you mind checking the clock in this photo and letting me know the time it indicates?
2:40
